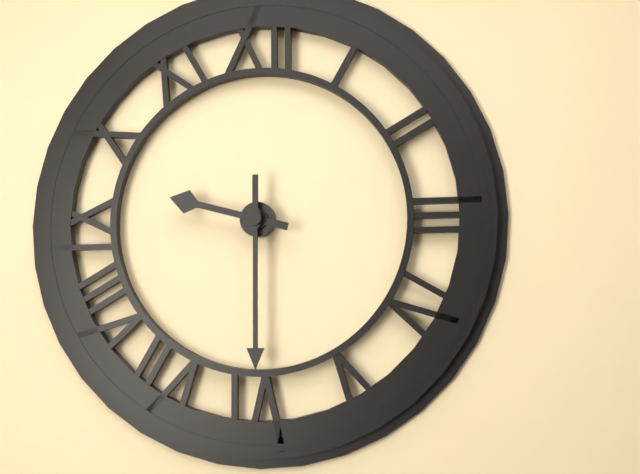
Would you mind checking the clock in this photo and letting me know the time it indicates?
9:30
